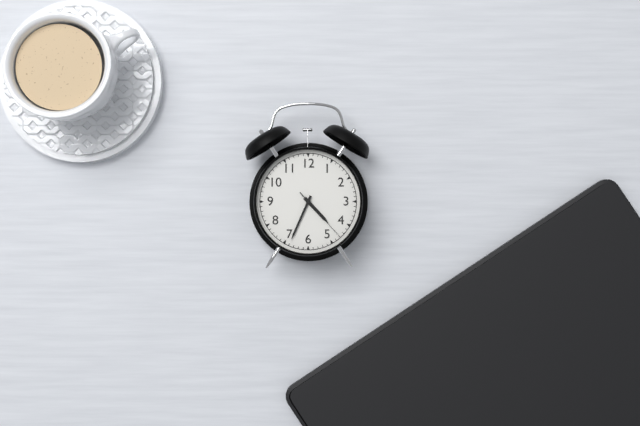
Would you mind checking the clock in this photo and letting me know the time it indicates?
4:34:23
